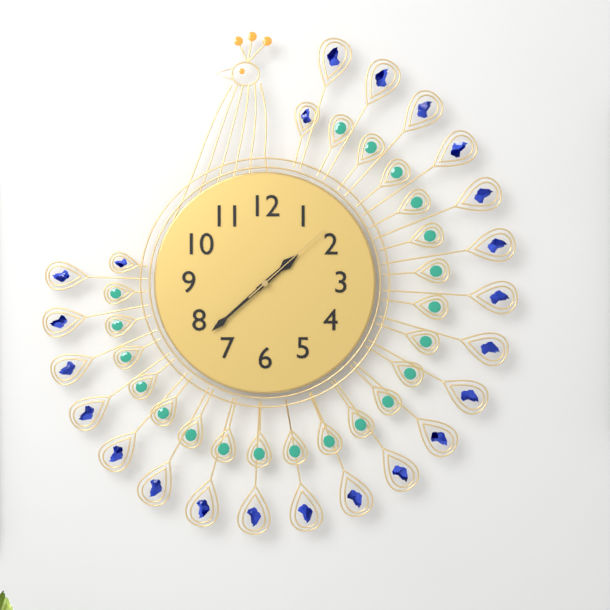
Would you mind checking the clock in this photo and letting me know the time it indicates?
1:38:08
